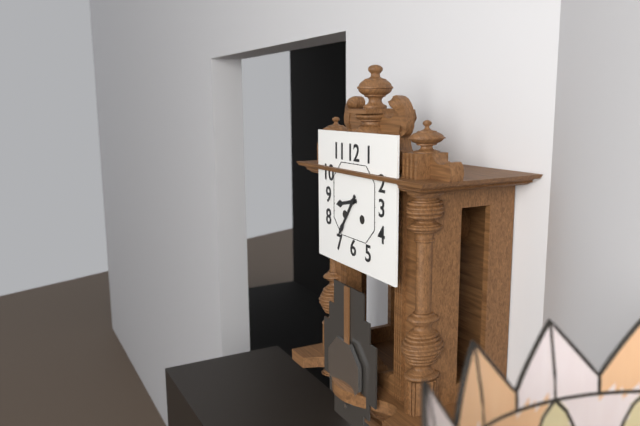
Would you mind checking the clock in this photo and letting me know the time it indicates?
8:36
